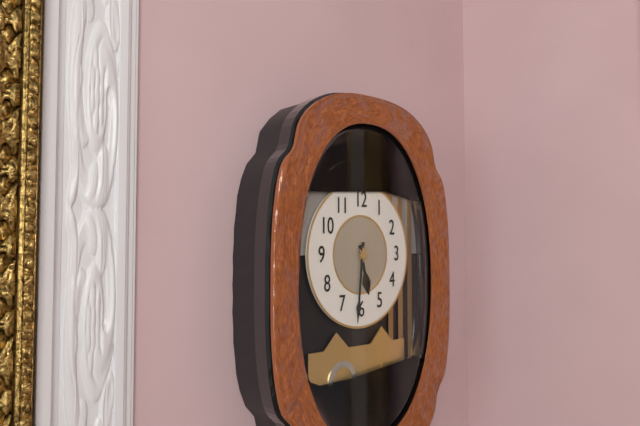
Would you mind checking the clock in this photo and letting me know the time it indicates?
5:31
